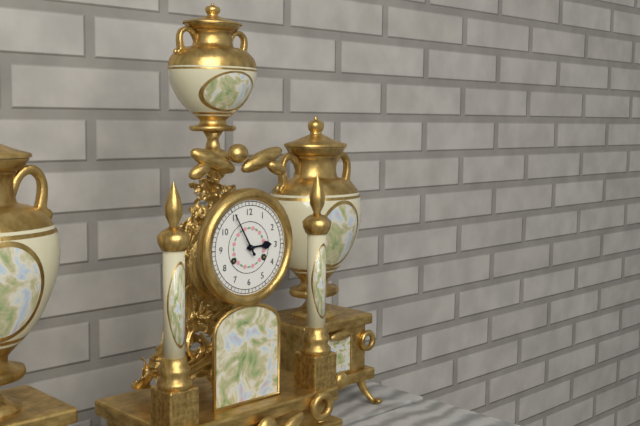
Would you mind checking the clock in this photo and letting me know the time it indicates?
2:55
